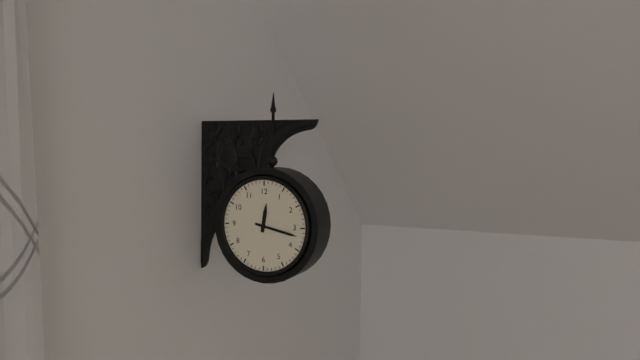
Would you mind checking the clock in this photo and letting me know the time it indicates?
12:17
